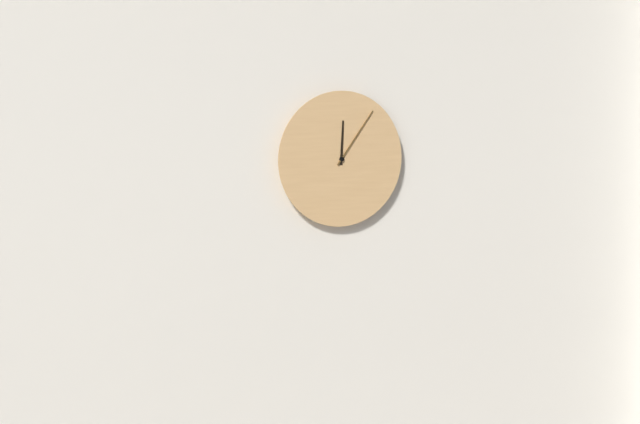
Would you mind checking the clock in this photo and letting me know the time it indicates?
12:06
